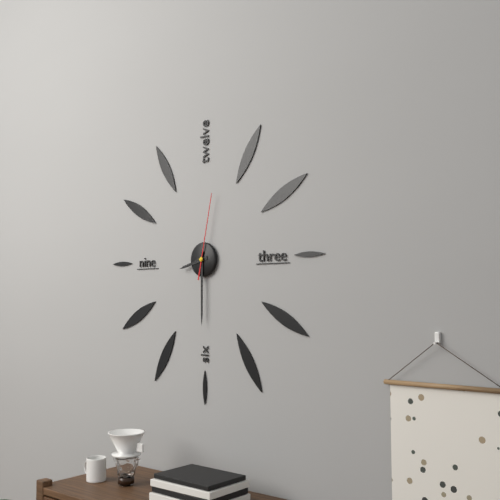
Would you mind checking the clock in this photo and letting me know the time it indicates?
8:30:02
